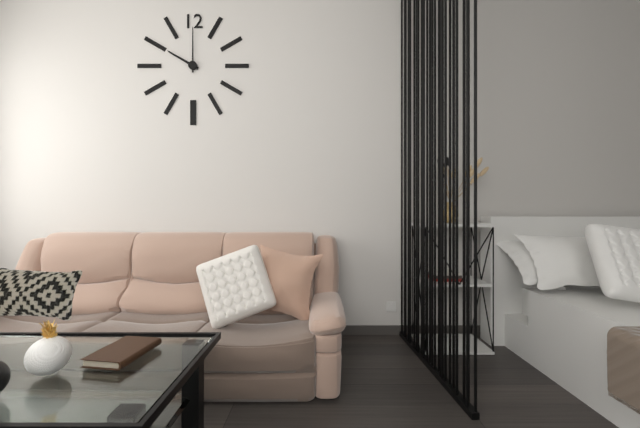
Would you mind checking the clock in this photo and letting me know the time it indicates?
10:00
